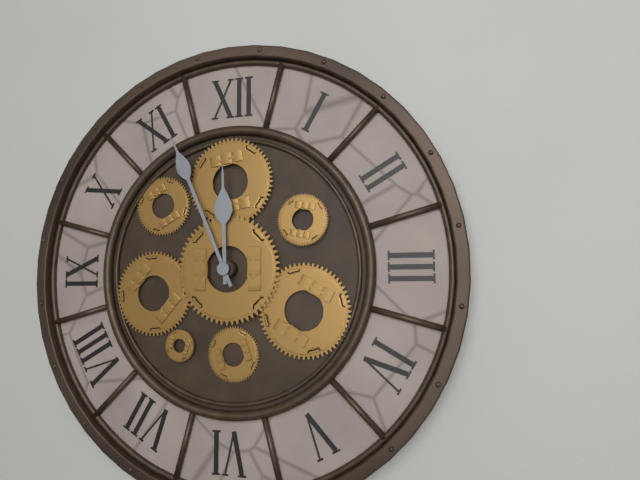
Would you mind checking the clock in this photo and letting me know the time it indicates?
11:56
